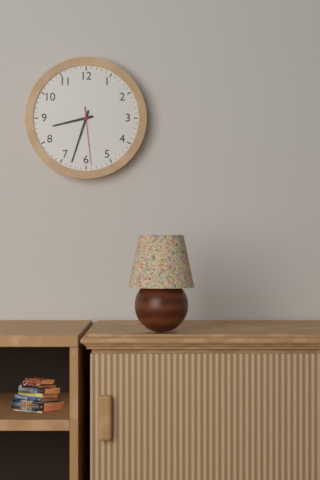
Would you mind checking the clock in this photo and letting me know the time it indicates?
8:33:29
